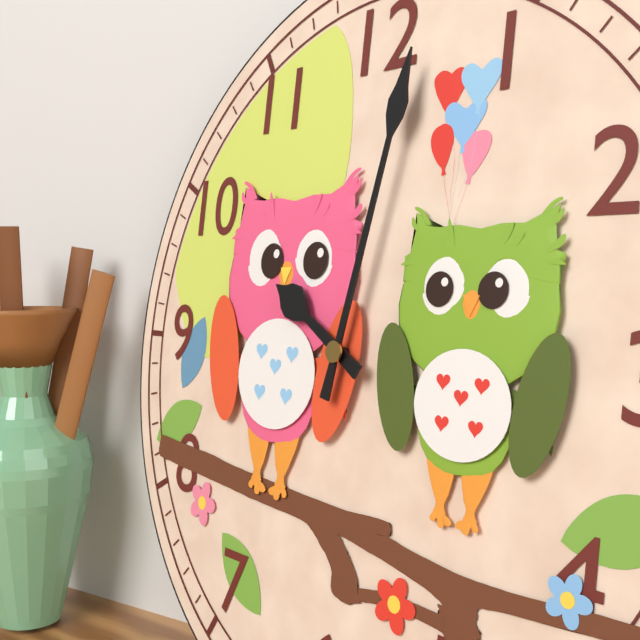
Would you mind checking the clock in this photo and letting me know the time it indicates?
10:02
